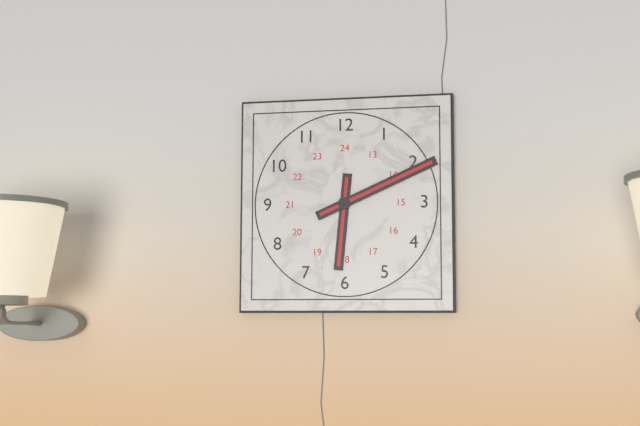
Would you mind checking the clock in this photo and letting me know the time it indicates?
6:11
